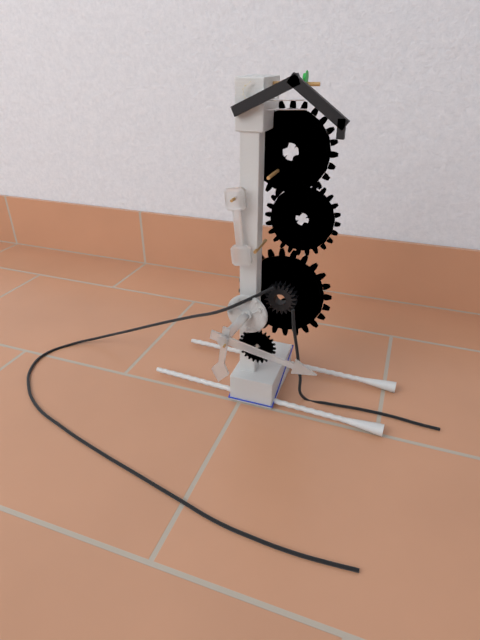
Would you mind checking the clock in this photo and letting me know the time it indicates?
6:17
